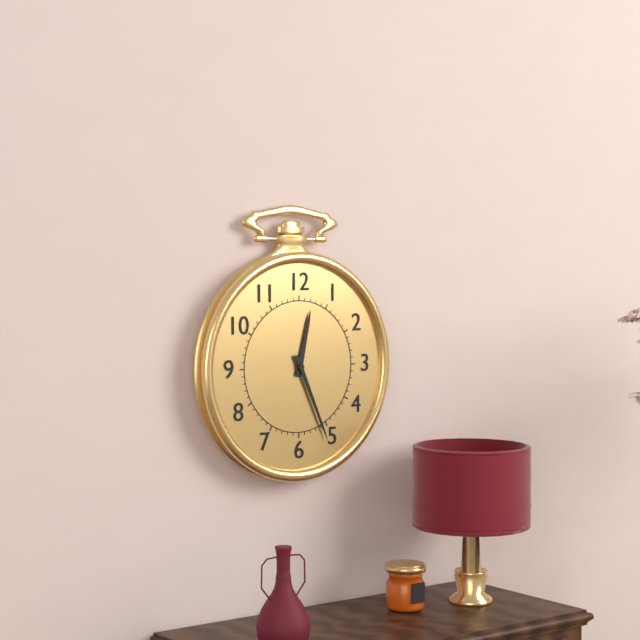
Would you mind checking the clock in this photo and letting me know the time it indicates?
12:26
